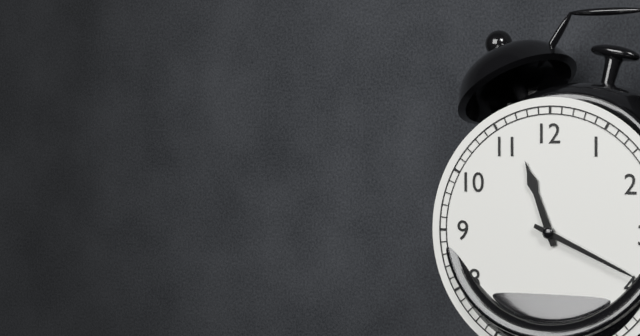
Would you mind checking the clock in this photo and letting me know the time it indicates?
11:19
